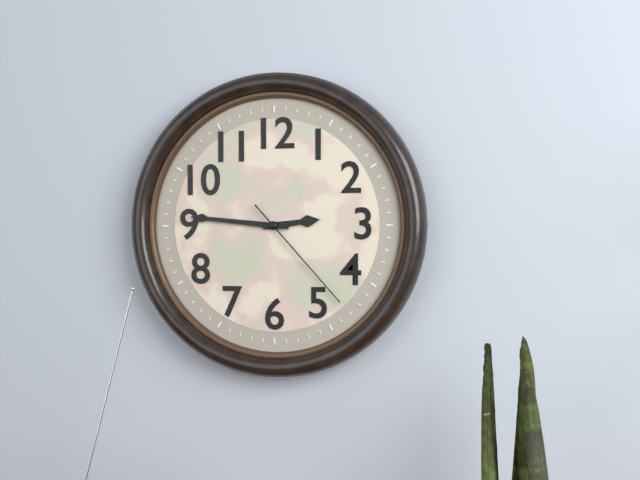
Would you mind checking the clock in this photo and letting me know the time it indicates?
2:46:23
